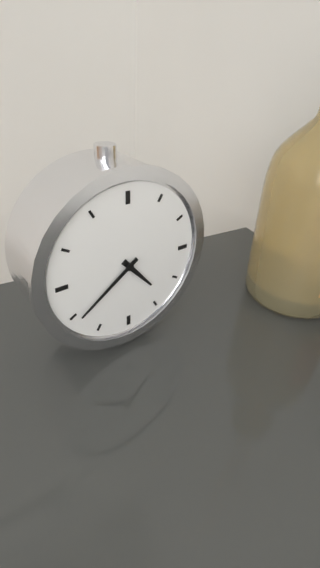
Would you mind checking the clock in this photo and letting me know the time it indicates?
4:39
